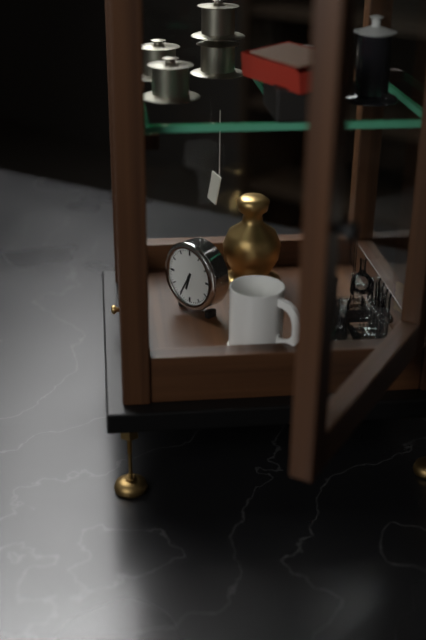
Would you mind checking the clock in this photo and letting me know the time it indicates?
6:35
